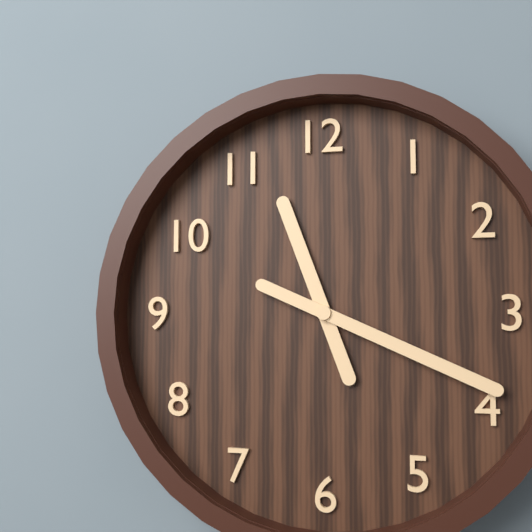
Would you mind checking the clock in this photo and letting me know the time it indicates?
11:19
